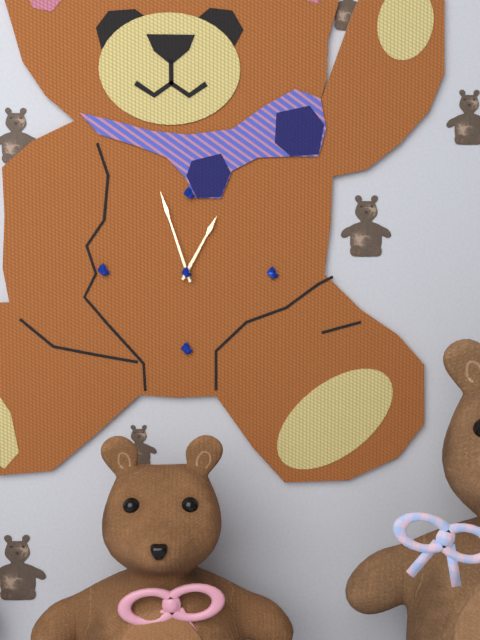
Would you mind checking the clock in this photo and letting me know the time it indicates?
12:57
